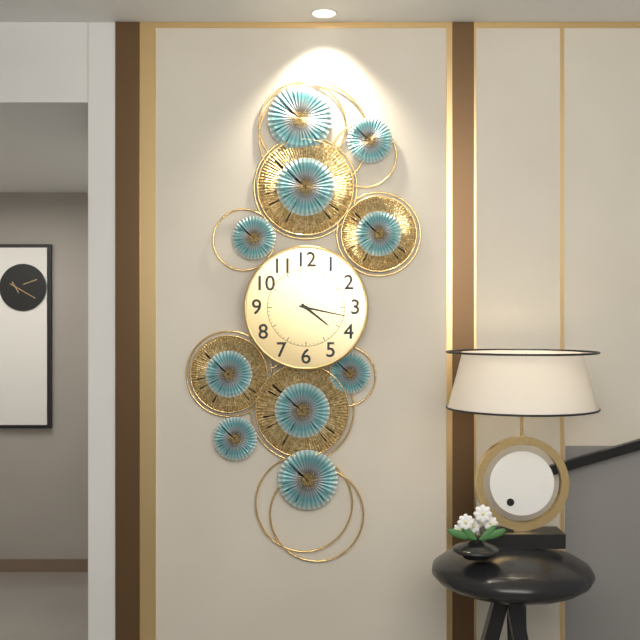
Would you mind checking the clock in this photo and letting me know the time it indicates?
4:17
